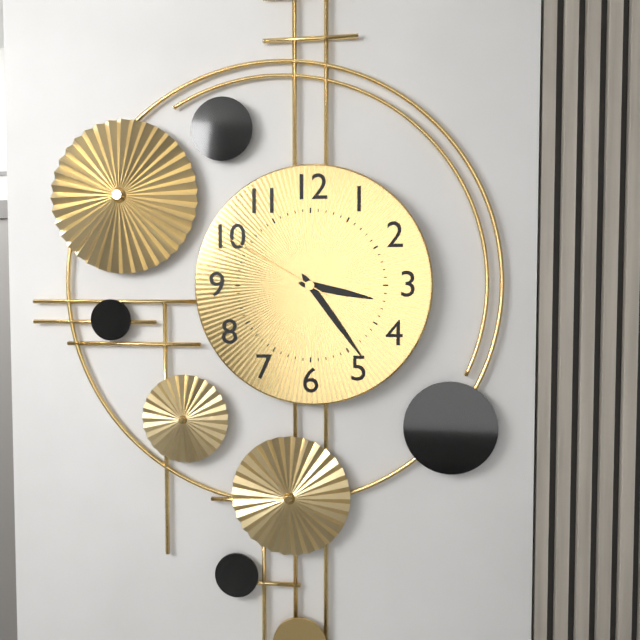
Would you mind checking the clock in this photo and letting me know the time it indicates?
3:24:50
